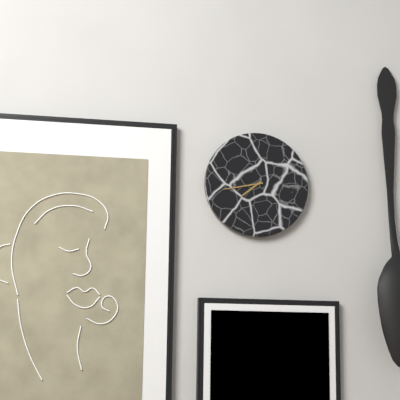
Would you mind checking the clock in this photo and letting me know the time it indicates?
7:43
